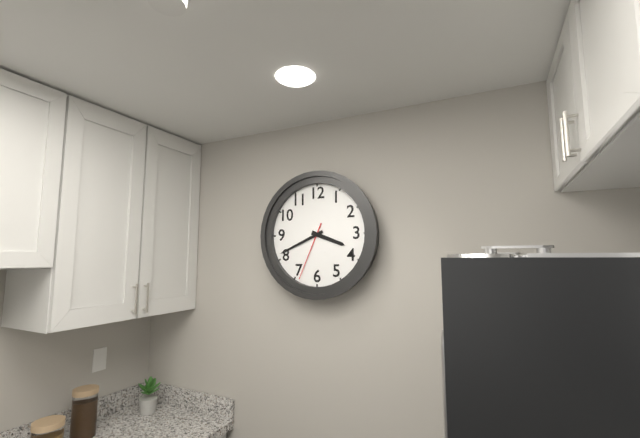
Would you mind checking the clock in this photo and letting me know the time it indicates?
3:41:34
